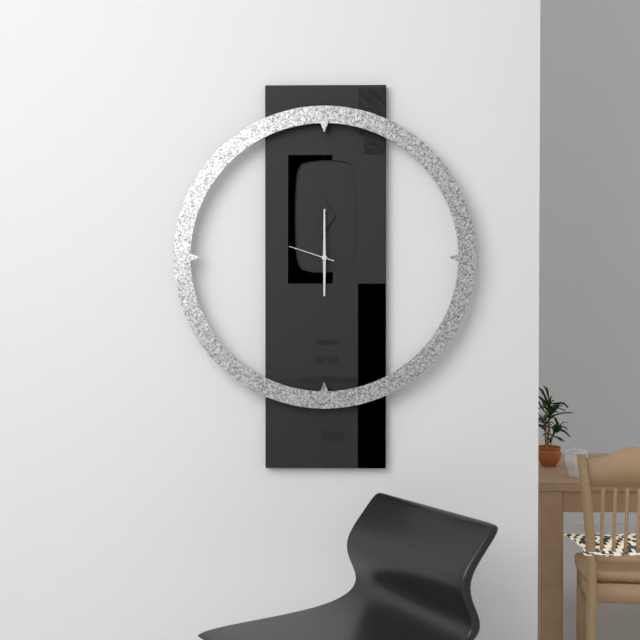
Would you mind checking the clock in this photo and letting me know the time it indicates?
6:00
